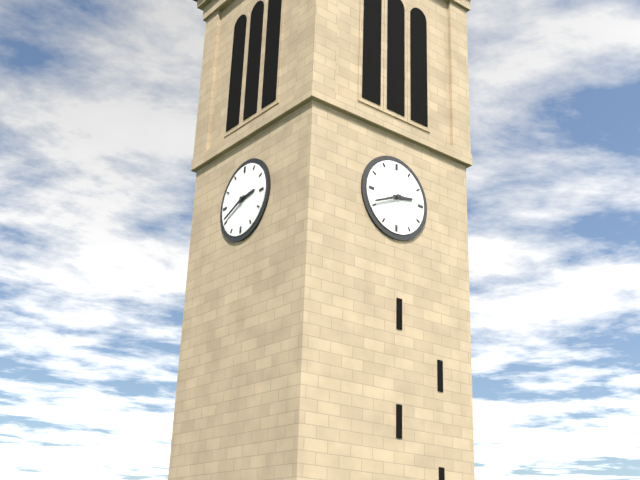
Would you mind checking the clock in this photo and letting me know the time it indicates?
2:41
